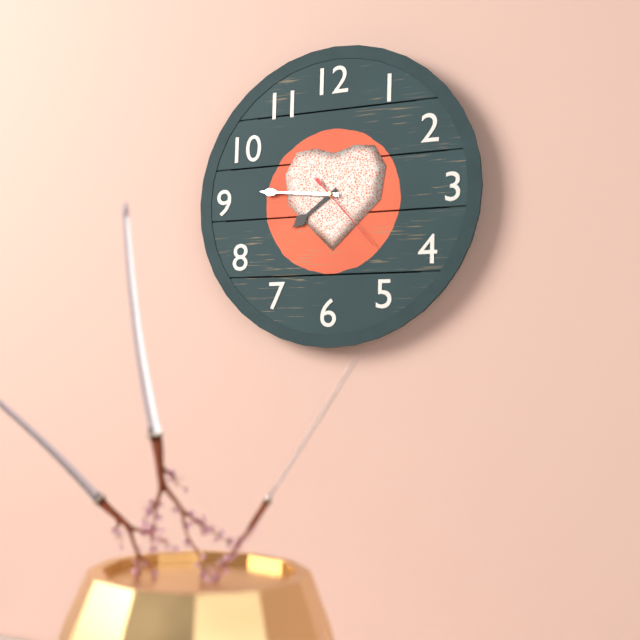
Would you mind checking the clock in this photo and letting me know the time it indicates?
7:46:23
